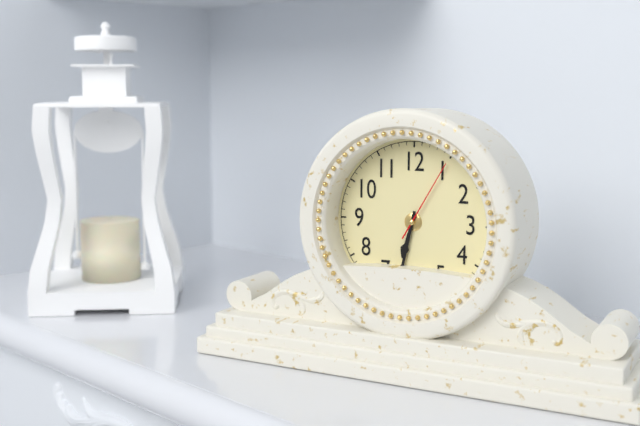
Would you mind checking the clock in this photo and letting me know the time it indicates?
6:32:05
